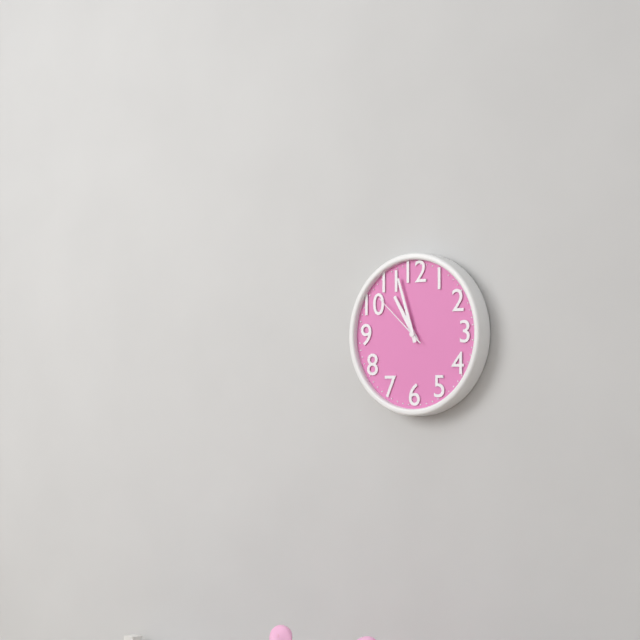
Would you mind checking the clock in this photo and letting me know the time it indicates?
10:57:52
